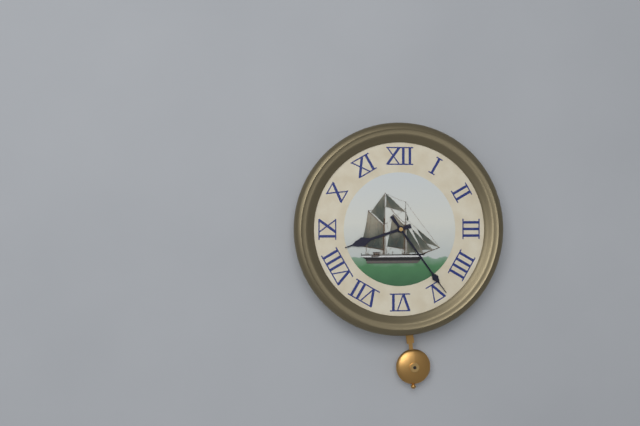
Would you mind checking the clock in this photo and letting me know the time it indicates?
8:24
